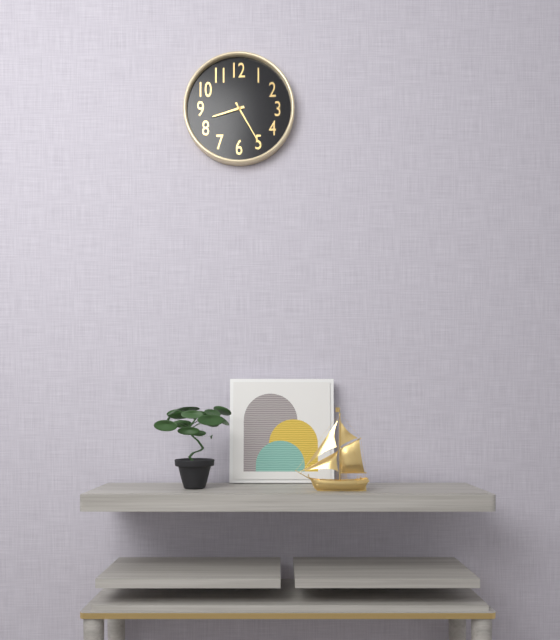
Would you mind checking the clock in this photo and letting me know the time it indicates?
8:25
